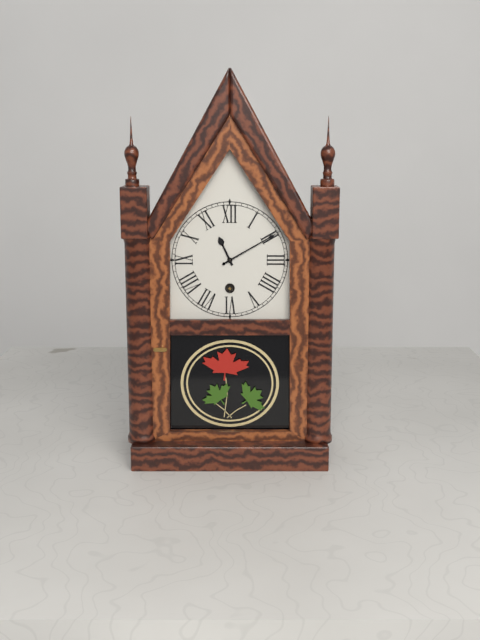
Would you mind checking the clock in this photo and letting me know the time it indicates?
11:10
